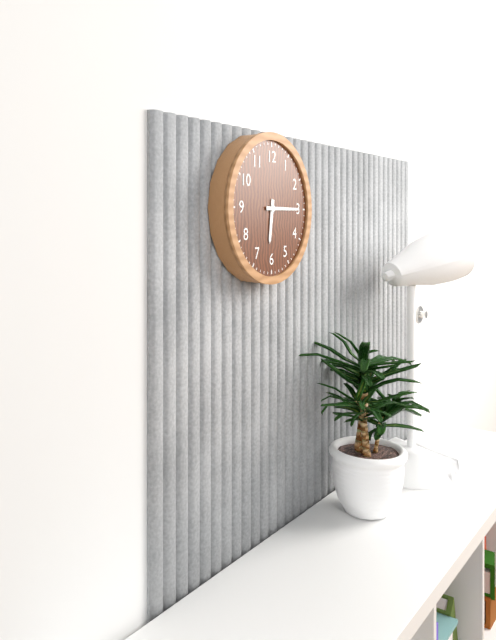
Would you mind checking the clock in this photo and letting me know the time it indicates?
6:15
